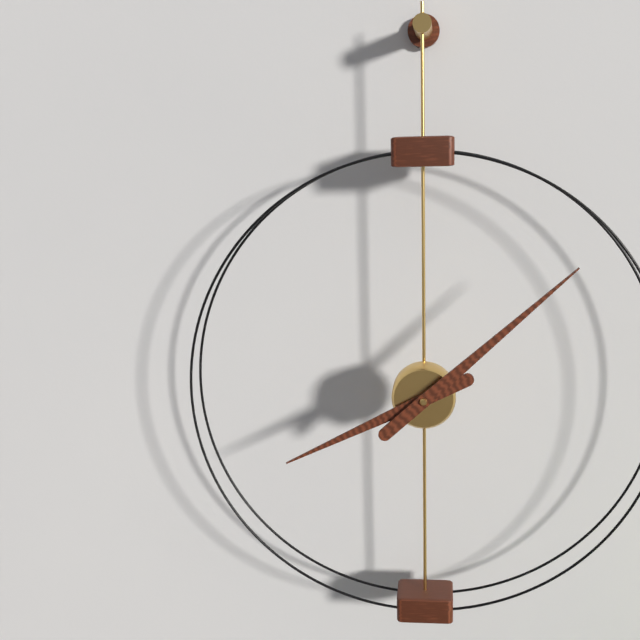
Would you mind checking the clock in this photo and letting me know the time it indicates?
8:08
